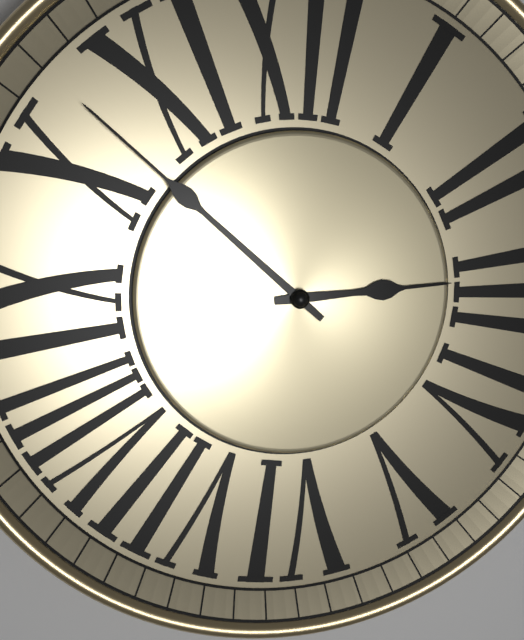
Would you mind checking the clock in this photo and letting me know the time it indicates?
2:52
